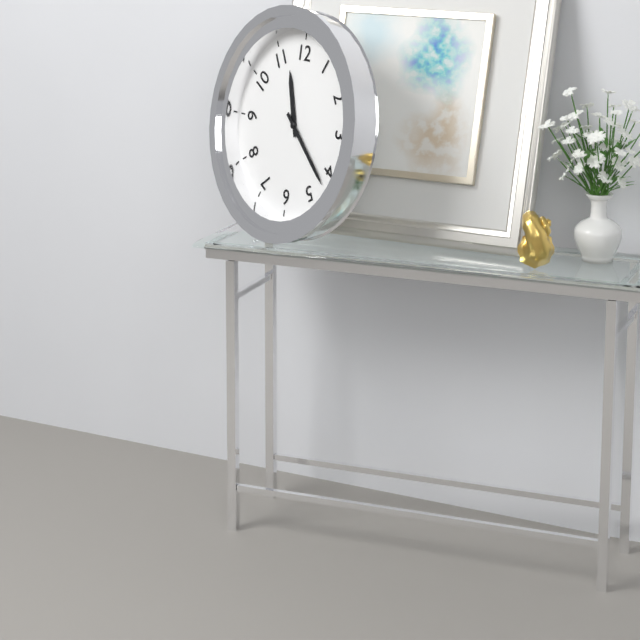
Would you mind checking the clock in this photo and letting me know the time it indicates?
11:22
